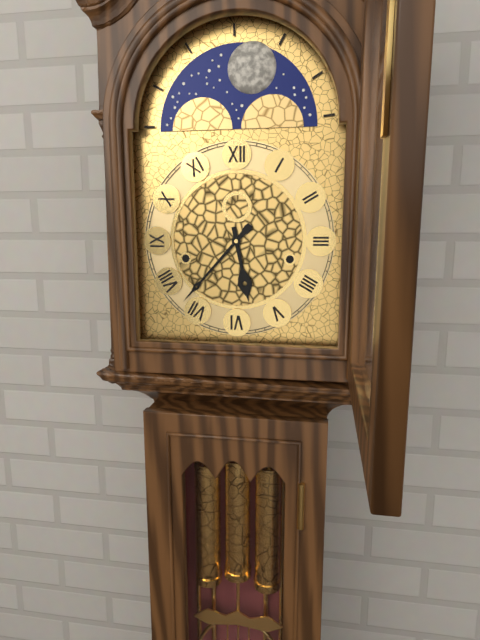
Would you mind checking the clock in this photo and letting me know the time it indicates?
5:37
